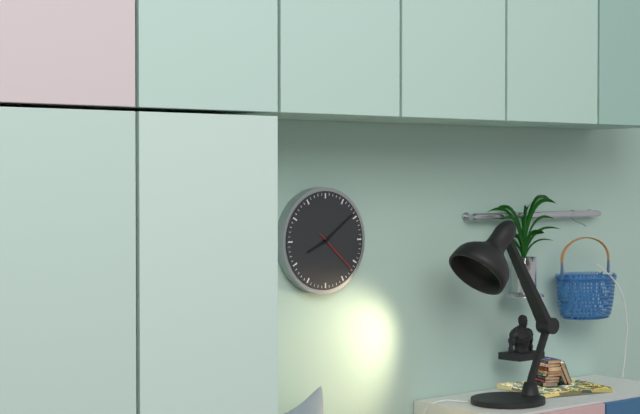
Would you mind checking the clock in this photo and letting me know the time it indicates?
8:09
